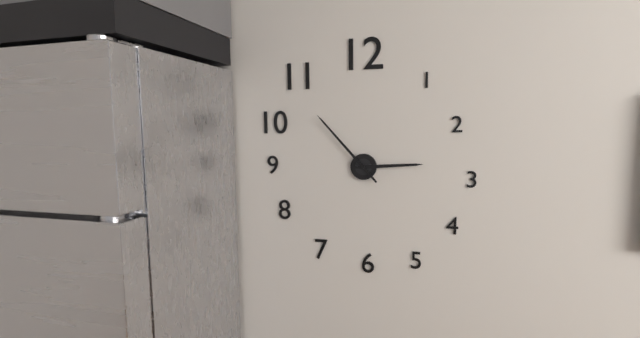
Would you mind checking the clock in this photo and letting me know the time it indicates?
2:53
